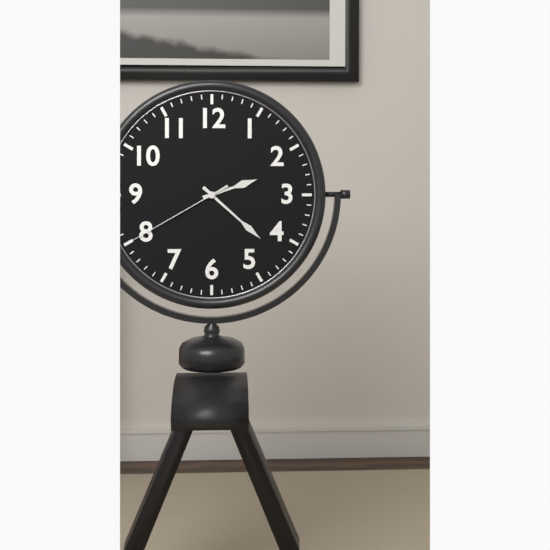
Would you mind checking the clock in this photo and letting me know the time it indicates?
2:22:40
